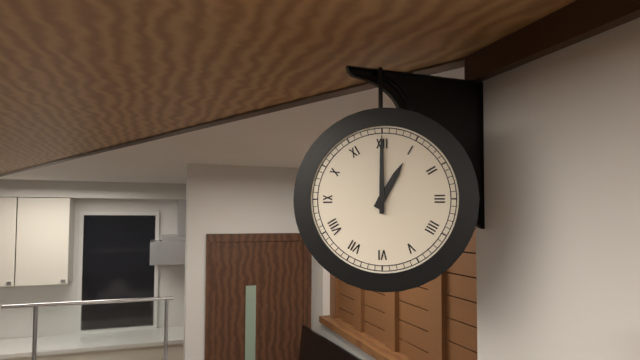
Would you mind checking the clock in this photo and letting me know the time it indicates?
1:00
